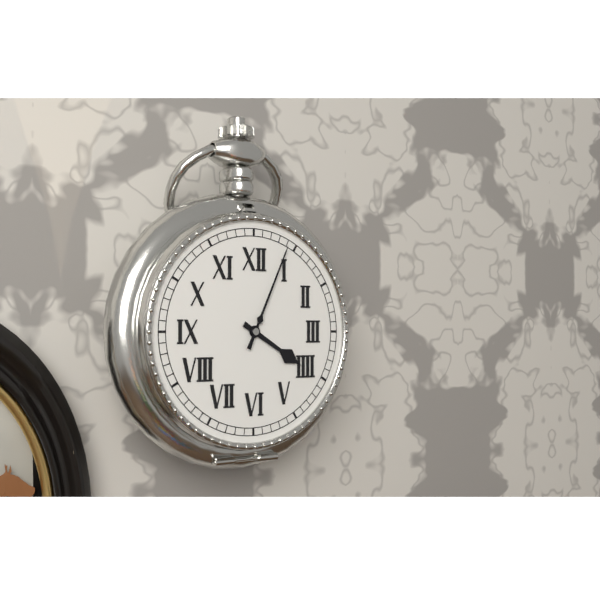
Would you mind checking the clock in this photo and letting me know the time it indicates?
4:04
